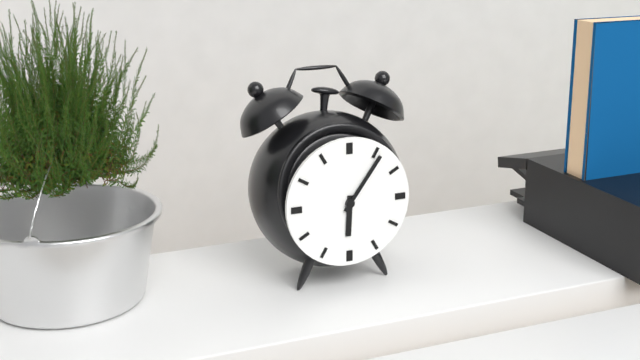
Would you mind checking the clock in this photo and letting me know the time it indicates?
6:06
